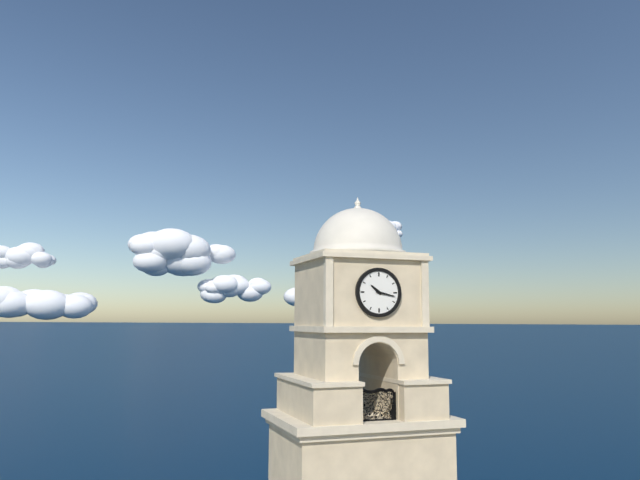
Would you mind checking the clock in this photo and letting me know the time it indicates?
10:17
